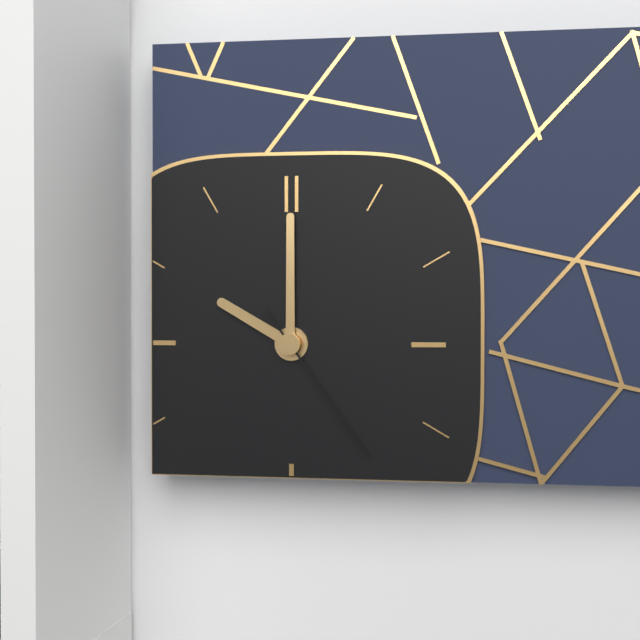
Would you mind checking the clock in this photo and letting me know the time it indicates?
10:00:24
